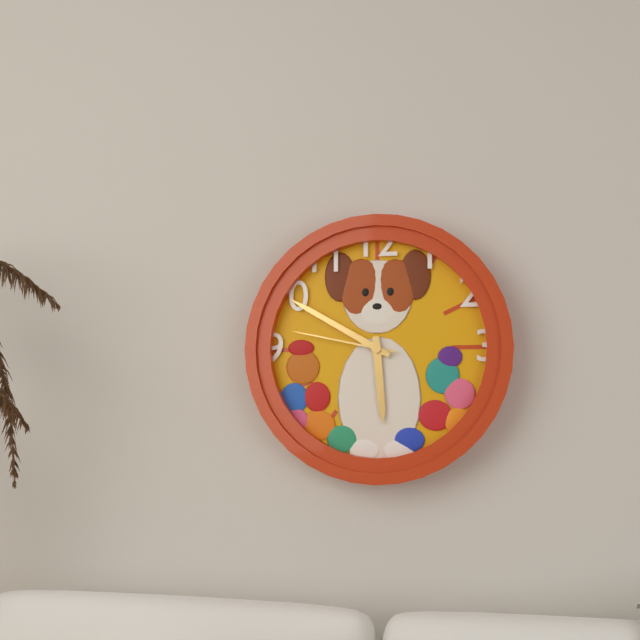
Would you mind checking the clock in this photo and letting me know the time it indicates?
5:50:47
